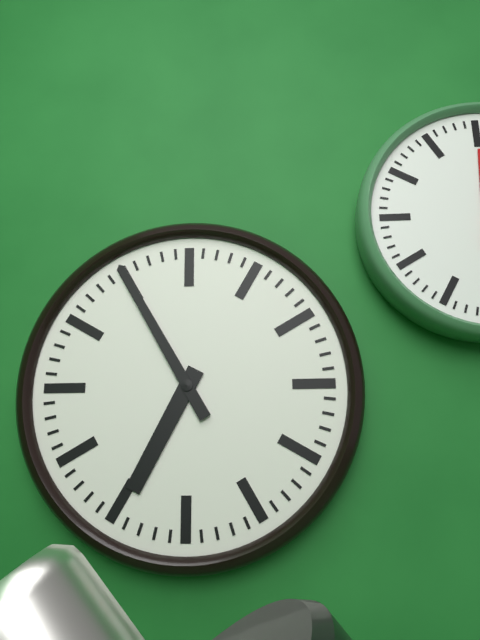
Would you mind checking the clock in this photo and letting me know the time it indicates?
6:55
